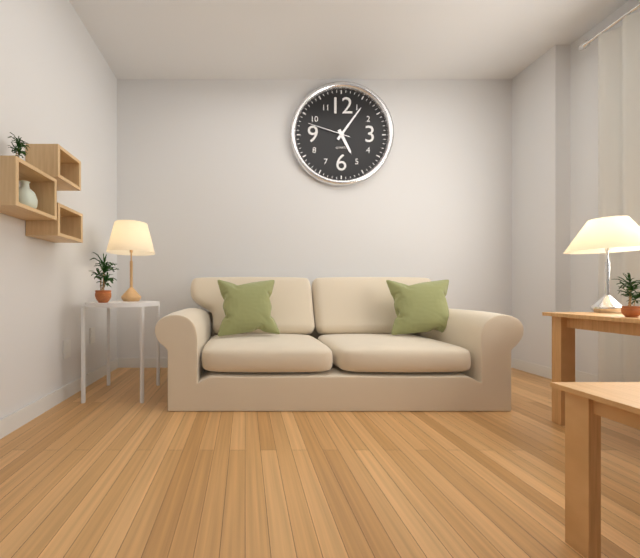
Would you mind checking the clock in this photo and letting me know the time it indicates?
5:06
